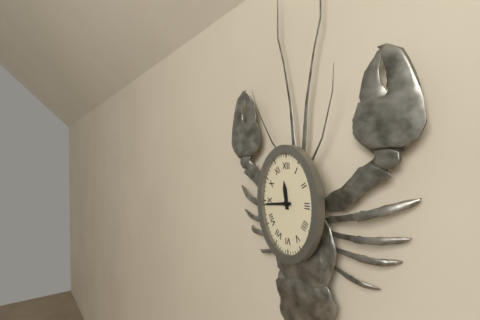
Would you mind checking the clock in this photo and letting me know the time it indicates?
11:44
